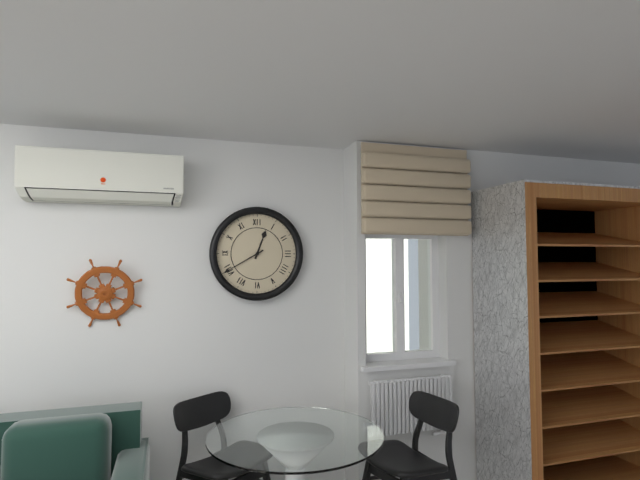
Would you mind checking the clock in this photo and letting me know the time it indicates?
12:40
